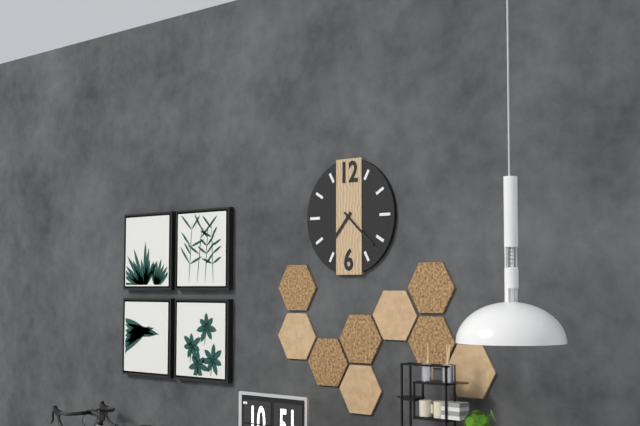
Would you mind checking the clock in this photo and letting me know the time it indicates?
7:22
